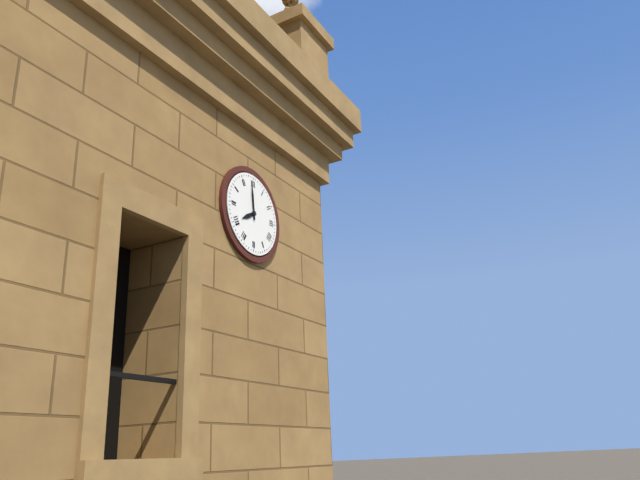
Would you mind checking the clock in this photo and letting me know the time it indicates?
7:59
